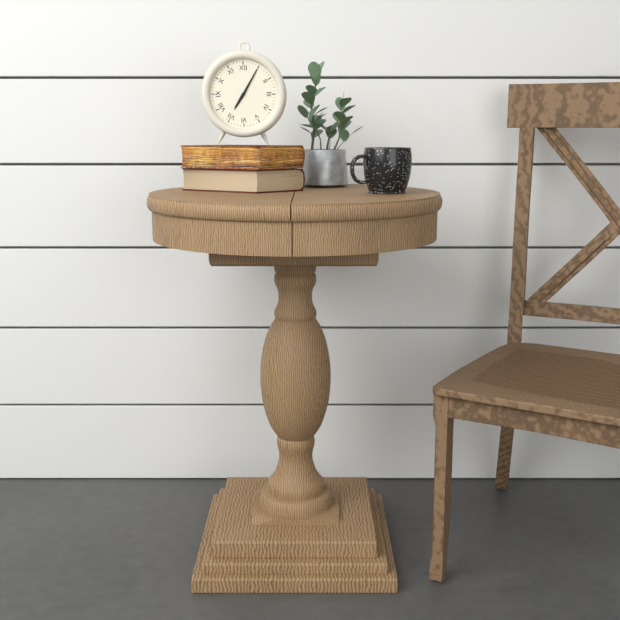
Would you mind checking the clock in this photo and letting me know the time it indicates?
7:05
